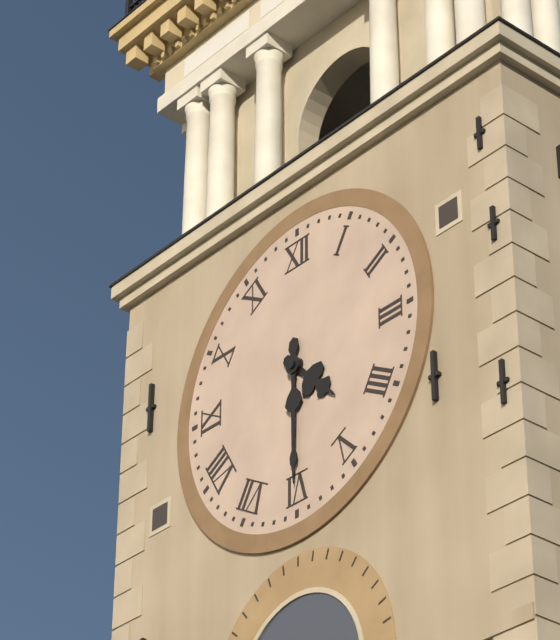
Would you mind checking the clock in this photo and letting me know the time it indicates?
4:30
